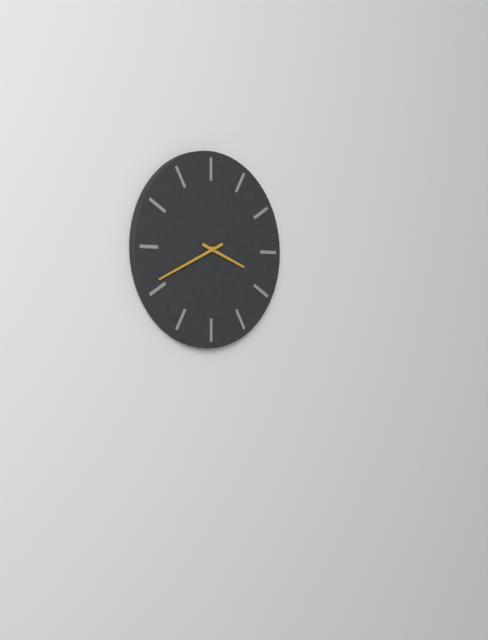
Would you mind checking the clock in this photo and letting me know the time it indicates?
3:41
